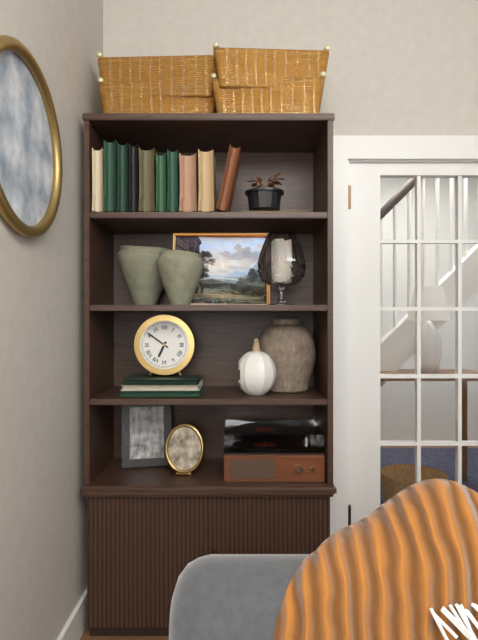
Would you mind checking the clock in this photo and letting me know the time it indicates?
6:51
